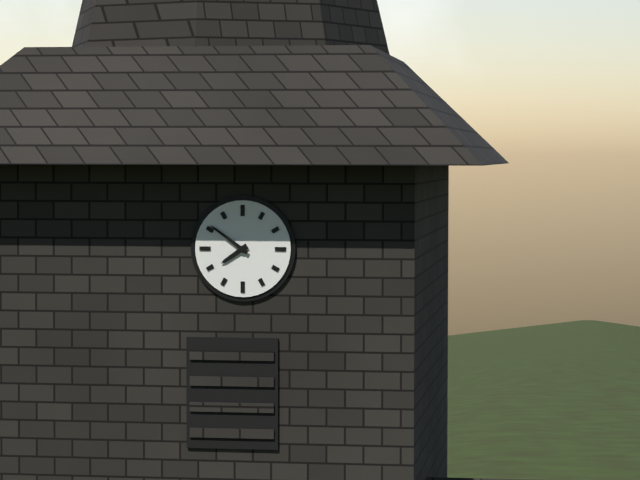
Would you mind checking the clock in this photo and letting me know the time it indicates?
7:51
